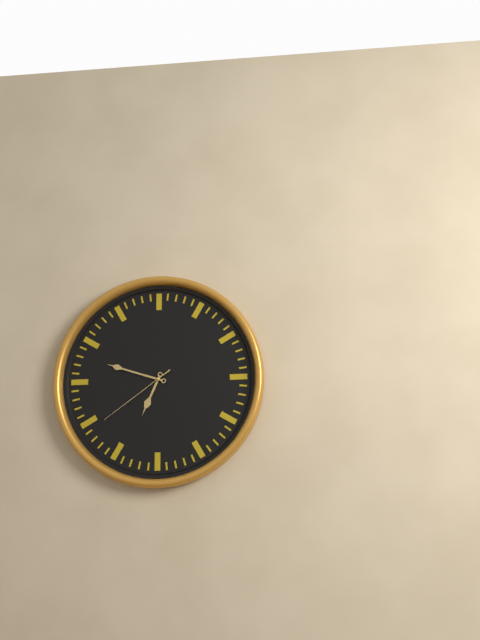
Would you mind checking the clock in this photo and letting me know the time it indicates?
6:48:39
